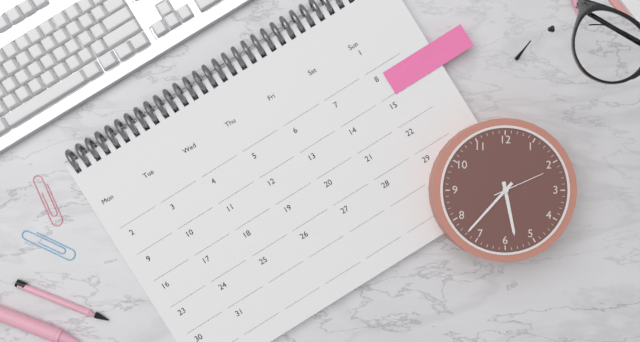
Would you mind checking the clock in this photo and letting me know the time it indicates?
5:37:11
